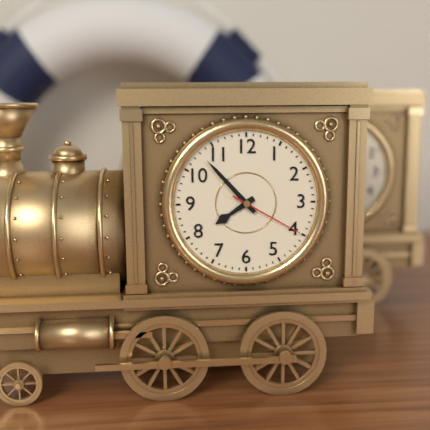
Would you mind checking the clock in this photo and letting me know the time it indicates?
7:53:20
